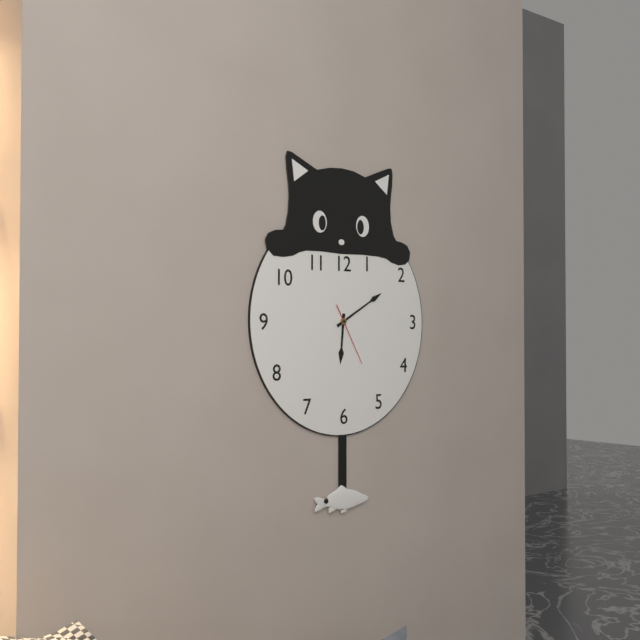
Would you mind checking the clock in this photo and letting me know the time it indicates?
6:10:25
